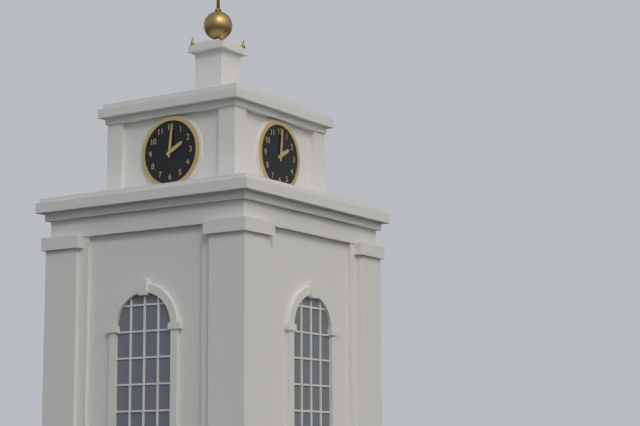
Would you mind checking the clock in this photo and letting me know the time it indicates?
2:01
